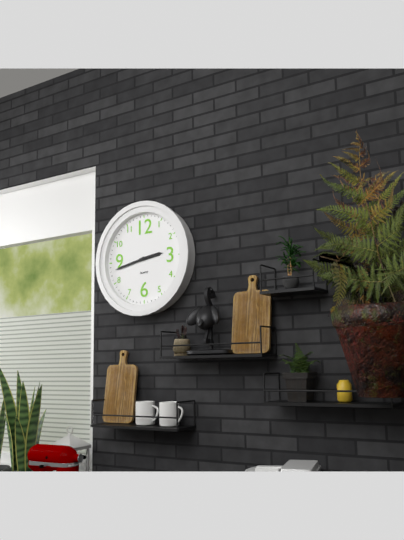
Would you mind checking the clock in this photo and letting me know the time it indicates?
2:43
